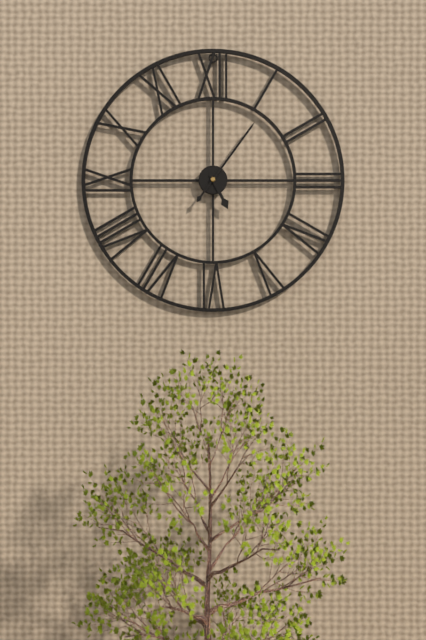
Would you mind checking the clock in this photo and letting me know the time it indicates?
5:06
